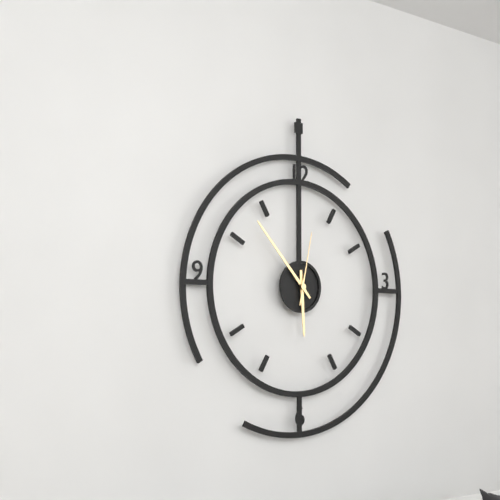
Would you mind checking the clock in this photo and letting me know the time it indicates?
5:53:02
